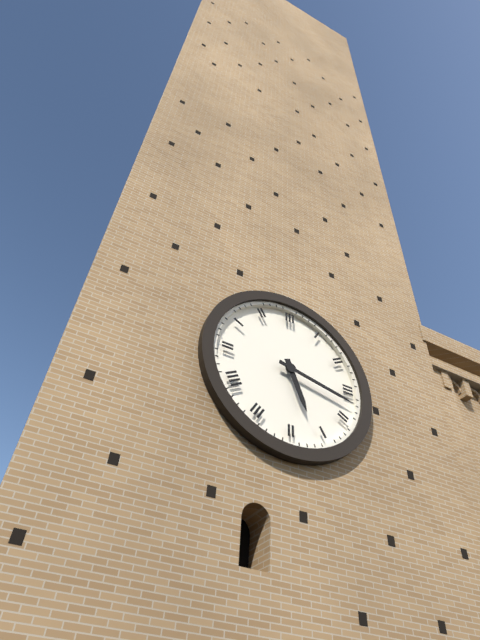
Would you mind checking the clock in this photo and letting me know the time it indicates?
5:17
